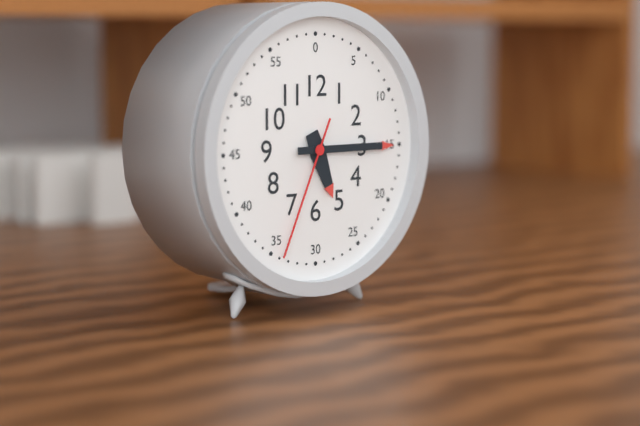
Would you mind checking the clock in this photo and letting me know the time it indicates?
5:15:34
